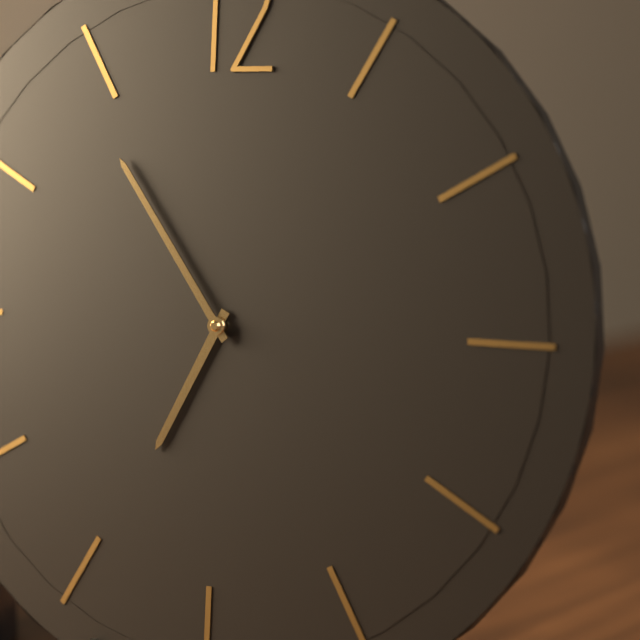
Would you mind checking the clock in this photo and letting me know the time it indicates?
6:54
